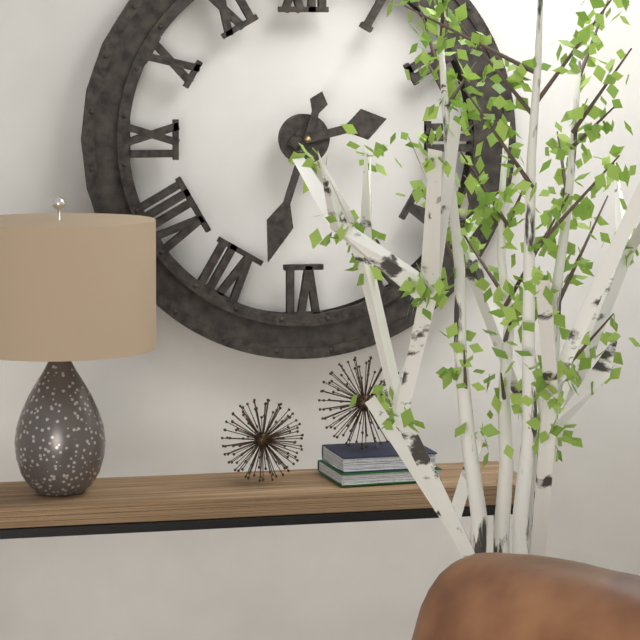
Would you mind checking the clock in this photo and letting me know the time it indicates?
2:33
